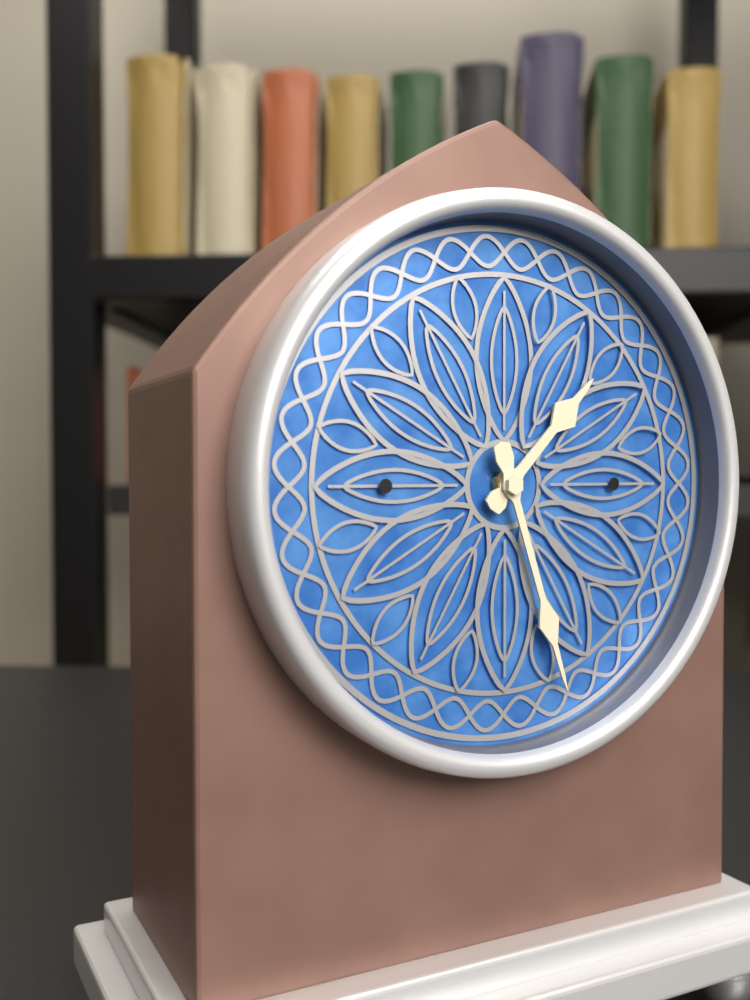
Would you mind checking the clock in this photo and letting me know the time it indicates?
1:27
